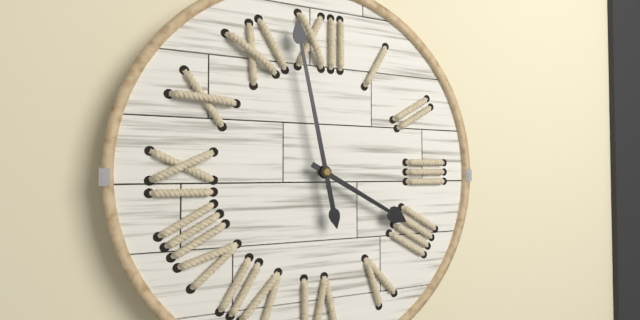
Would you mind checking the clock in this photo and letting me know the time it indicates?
3:58
